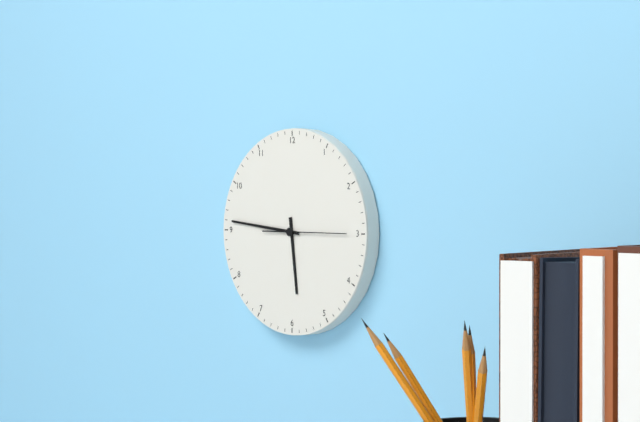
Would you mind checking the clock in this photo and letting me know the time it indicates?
5:46:15
